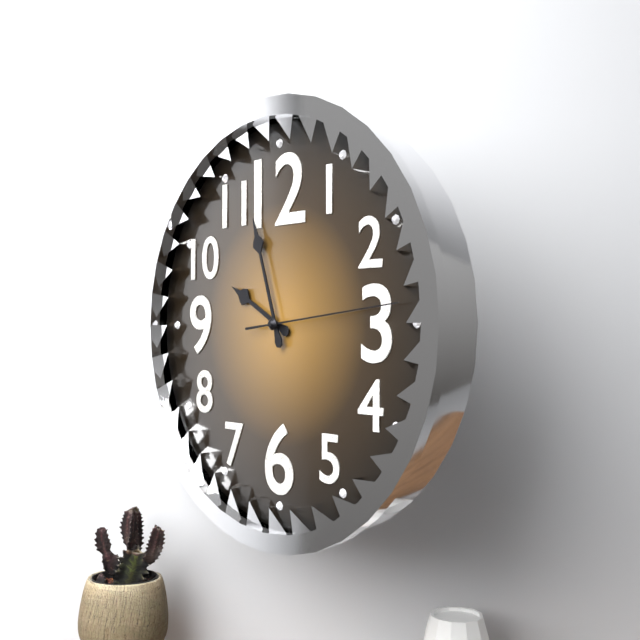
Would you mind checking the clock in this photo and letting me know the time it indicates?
9:57:14
